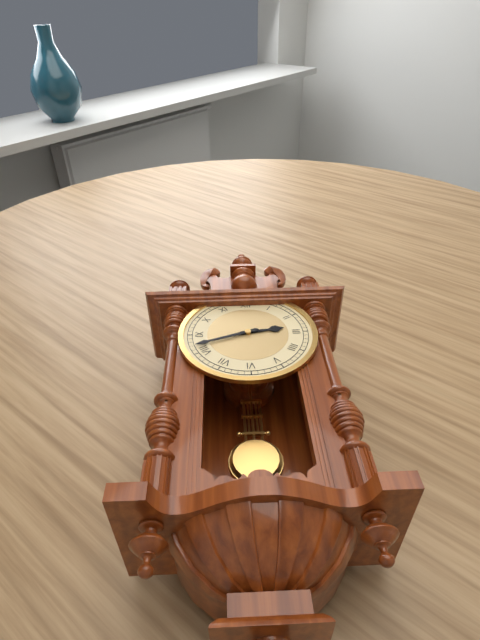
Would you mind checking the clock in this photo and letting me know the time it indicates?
2:42
